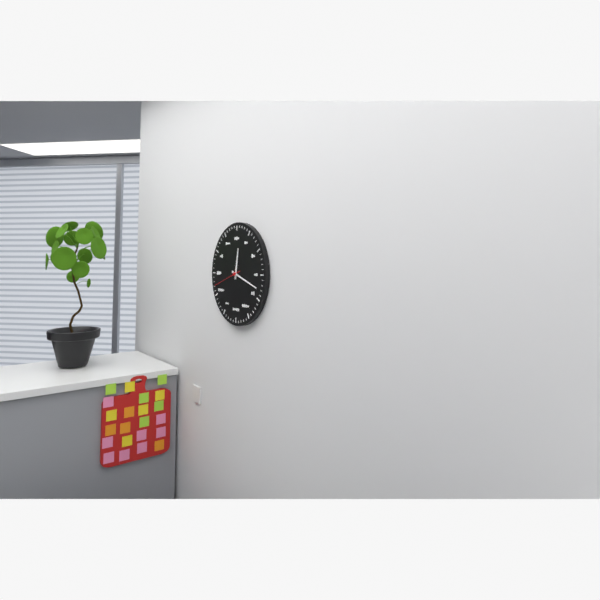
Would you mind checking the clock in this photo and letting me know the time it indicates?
12:18
